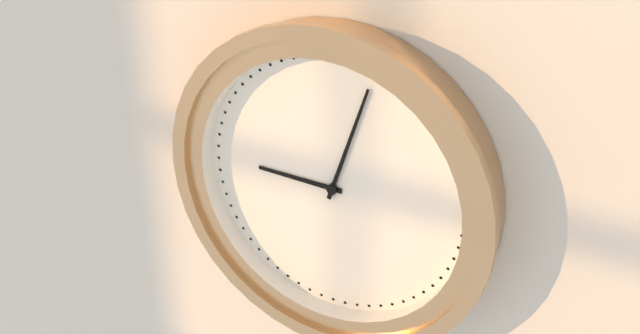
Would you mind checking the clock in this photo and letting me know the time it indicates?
9:03
